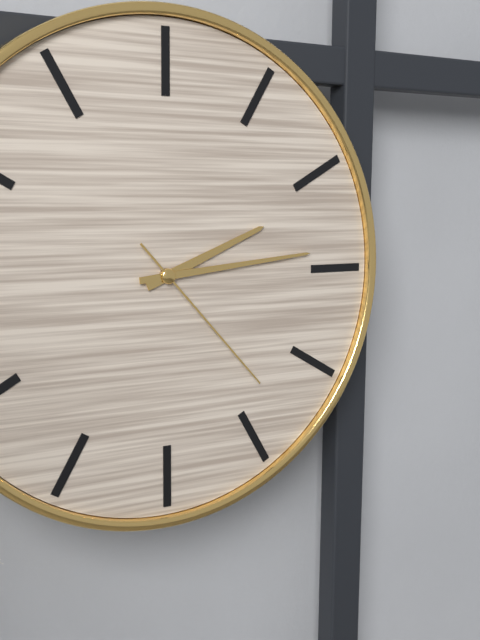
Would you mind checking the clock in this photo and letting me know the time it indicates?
2:14:23
